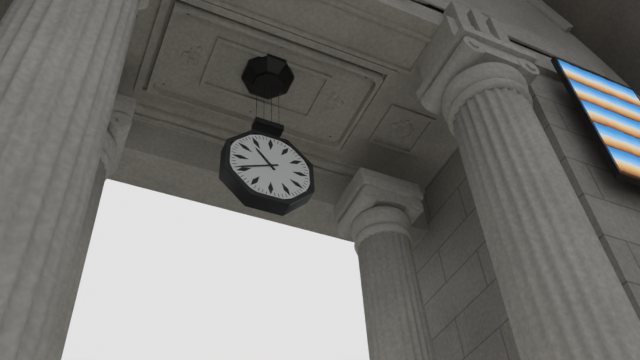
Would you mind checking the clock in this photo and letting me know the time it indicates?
10:41
